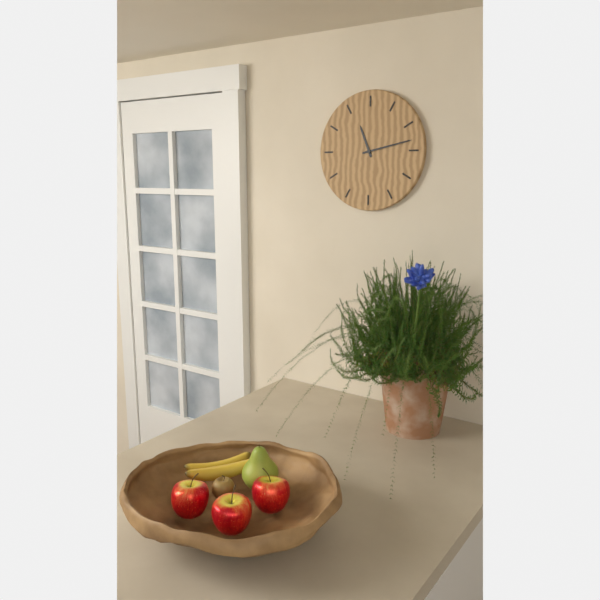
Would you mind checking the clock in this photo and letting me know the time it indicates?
11:13
